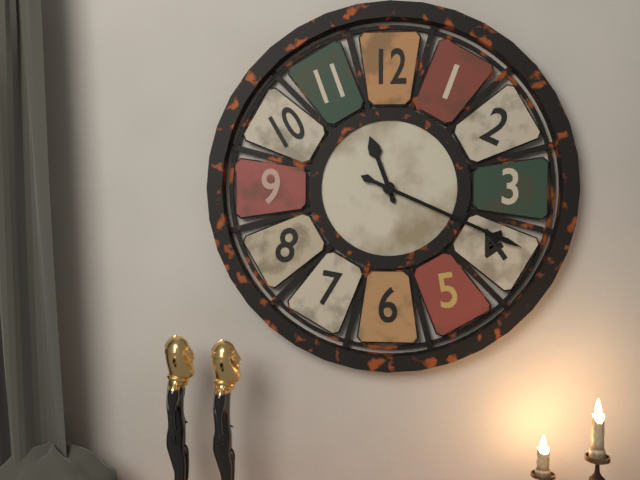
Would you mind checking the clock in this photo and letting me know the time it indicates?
11:19
